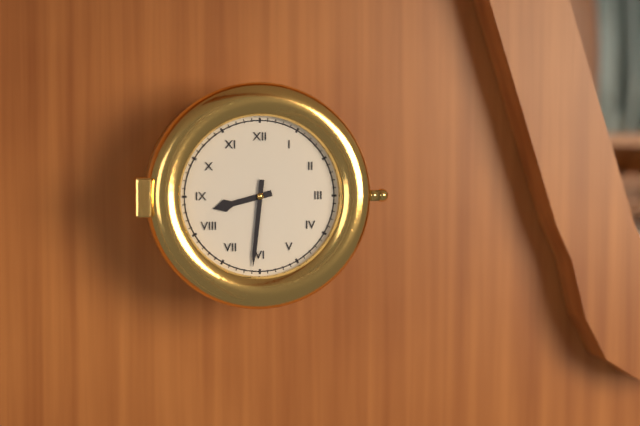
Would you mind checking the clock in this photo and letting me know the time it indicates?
8:31
